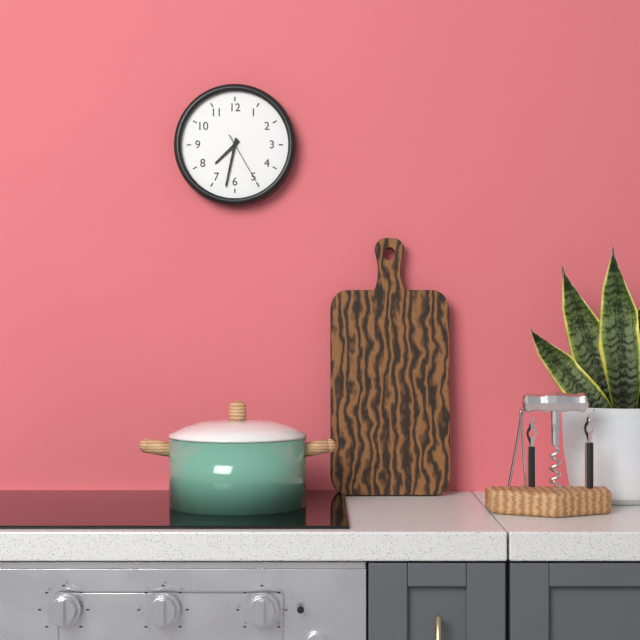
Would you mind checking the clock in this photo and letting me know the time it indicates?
7:32:25
